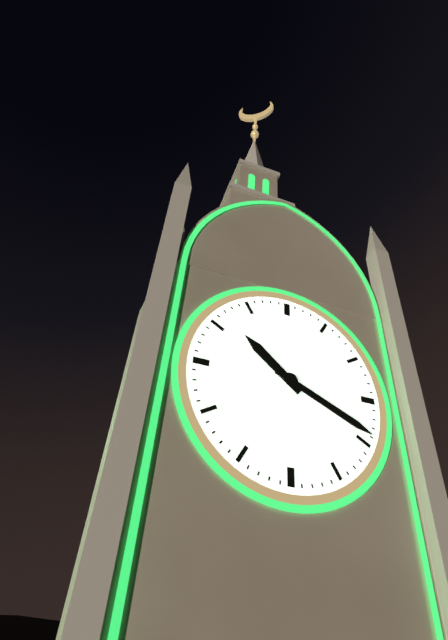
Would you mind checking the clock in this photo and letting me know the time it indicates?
10:19
